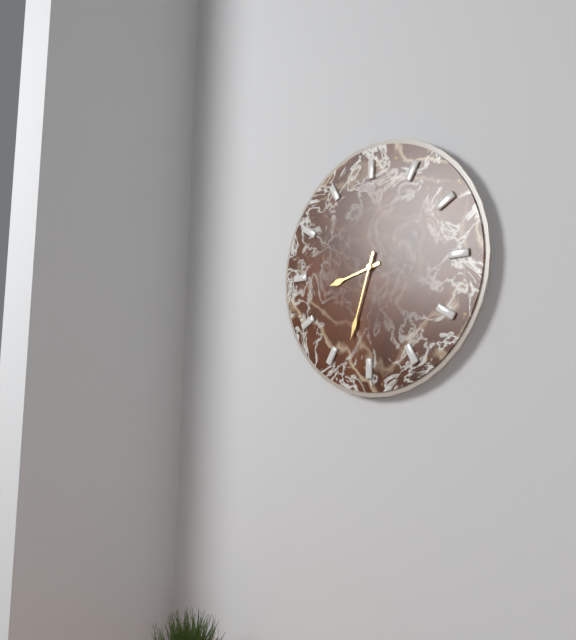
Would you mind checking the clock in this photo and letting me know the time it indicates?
8:33
